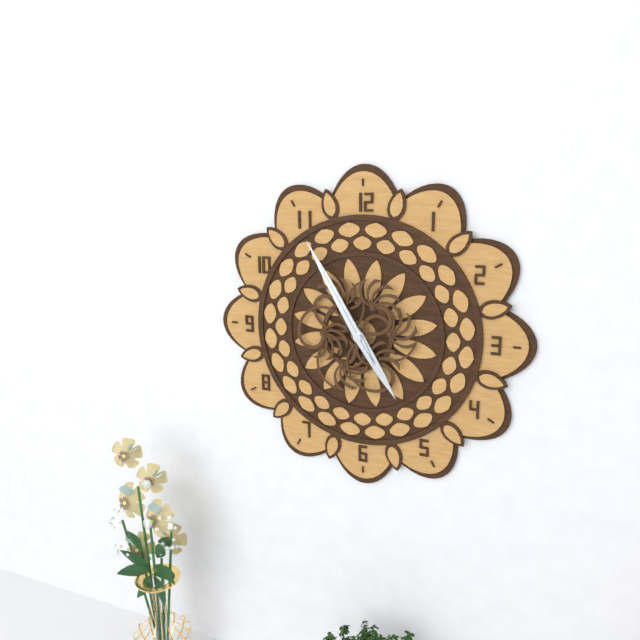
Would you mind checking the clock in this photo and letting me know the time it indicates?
4:55:55
